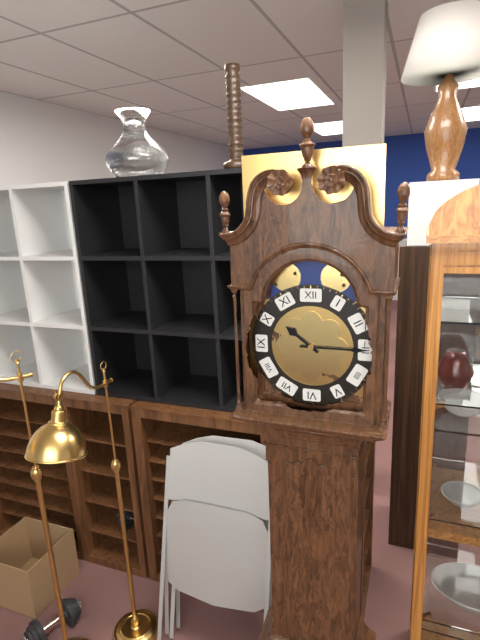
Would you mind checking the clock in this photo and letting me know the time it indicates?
10:15
